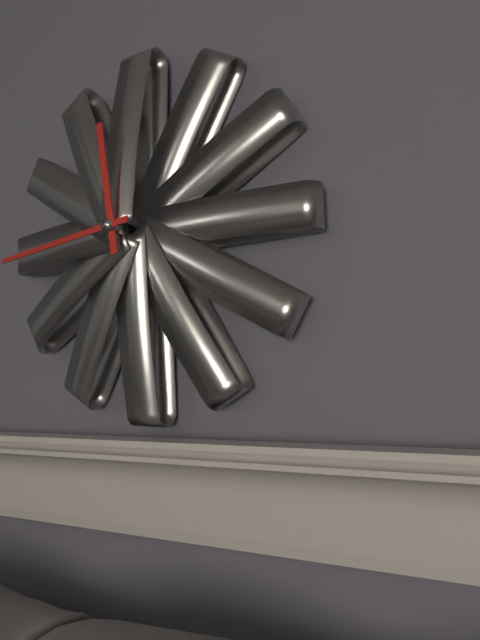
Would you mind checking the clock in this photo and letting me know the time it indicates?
11:44
